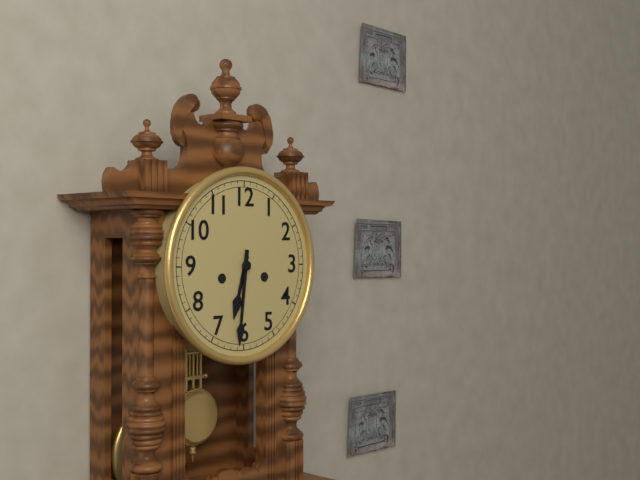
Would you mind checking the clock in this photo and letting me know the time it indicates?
6:31
